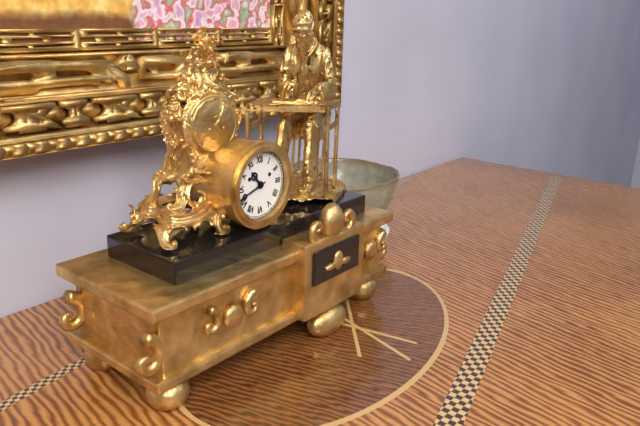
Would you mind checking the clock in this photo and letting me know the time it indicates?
10:42
